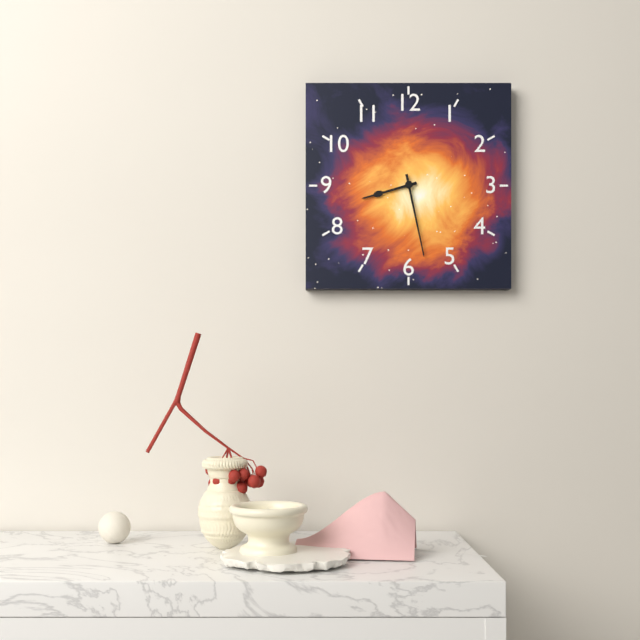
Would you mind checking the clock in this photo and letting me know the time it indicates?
8:28
